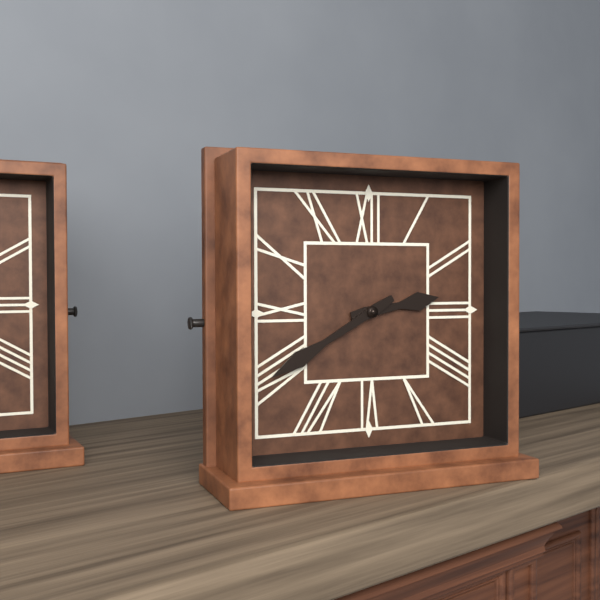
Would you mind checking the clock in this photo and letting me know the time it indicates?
2:40
